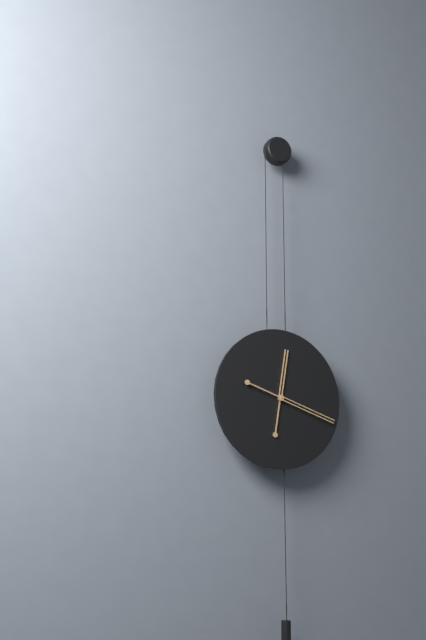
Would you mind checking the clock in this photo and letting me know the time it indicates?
12:18
